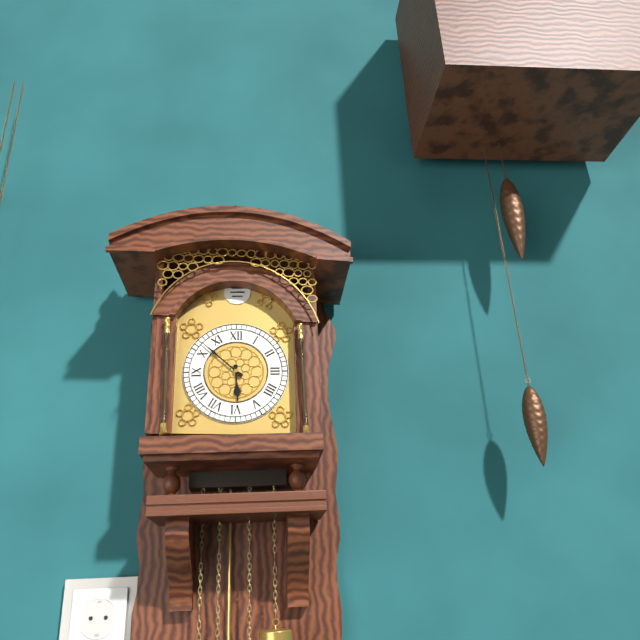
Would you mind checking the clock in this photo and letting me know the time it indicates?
5:52
